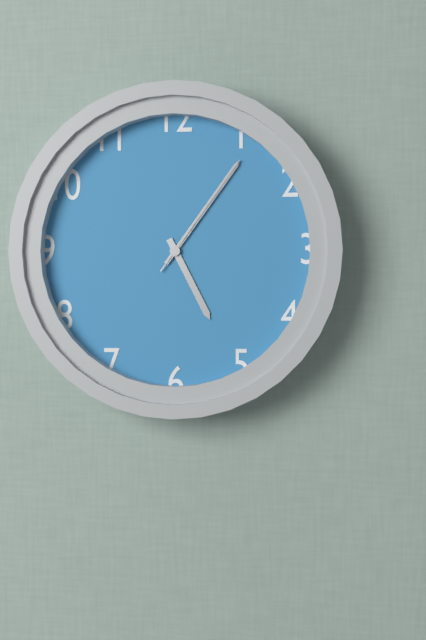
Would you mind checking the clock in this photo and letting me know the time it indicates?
5:06:06
